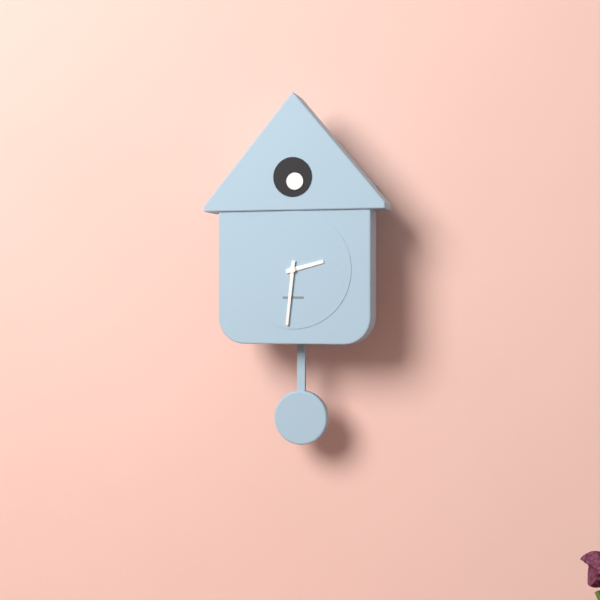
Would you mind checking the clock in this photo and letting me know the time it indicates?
2:31
